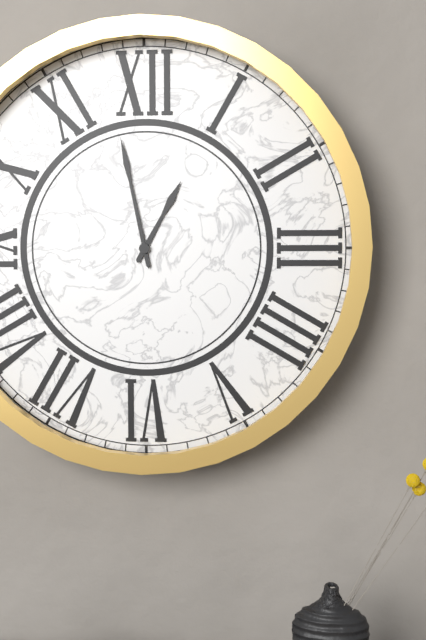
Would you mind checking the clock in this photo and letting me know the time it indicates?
12:58
